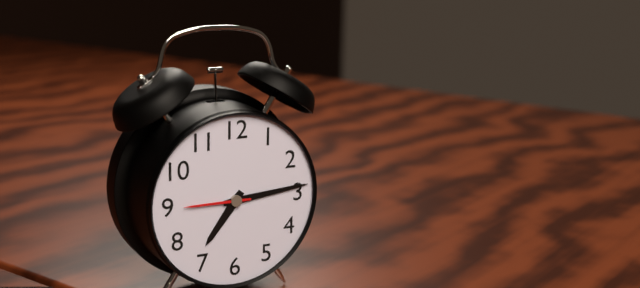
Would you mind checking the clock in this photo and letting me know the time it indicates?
7:14:45
